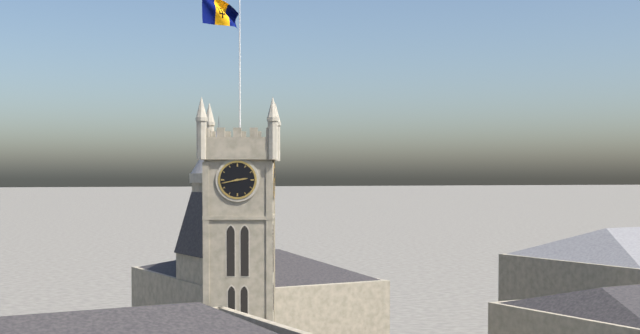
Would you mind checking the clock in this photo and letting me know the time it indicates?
2:43
